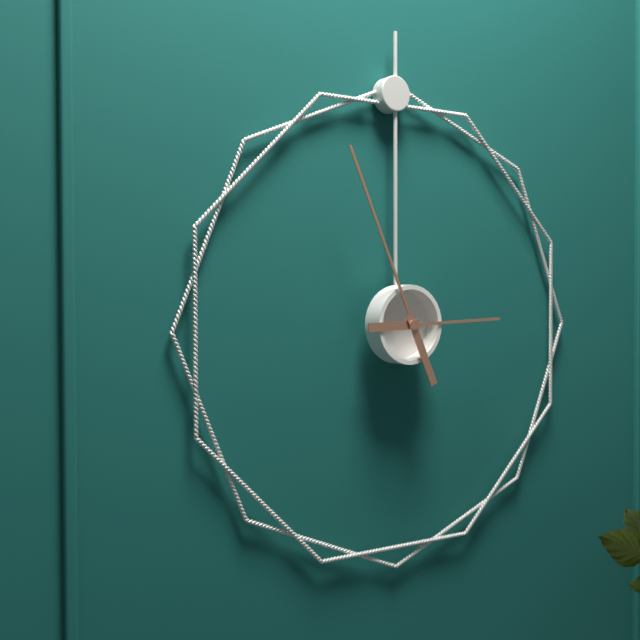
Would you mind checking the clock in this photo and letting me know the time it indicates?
2:56
